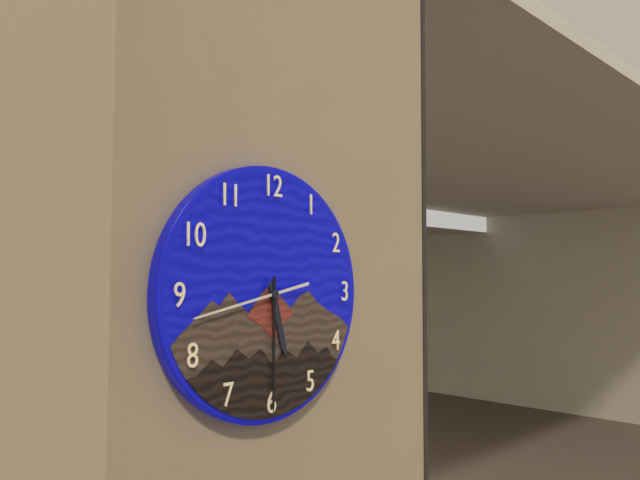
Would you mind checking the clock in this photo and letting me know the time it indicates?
5:30:43
